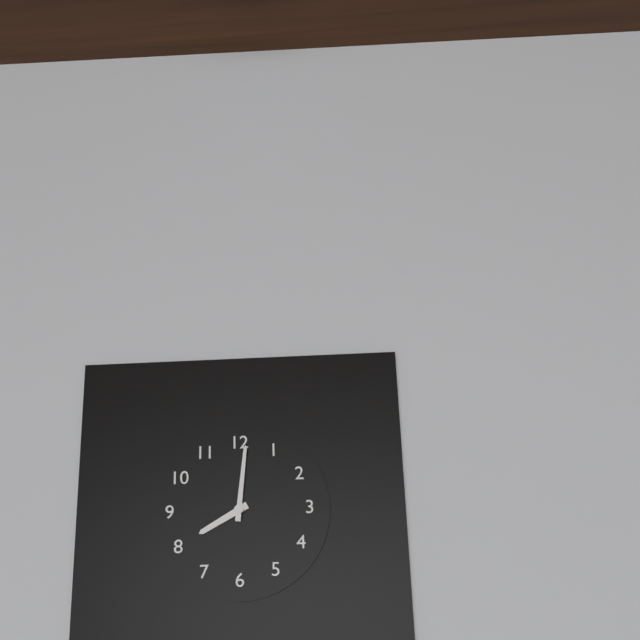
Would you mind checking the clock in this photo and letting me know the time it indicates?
8:01
